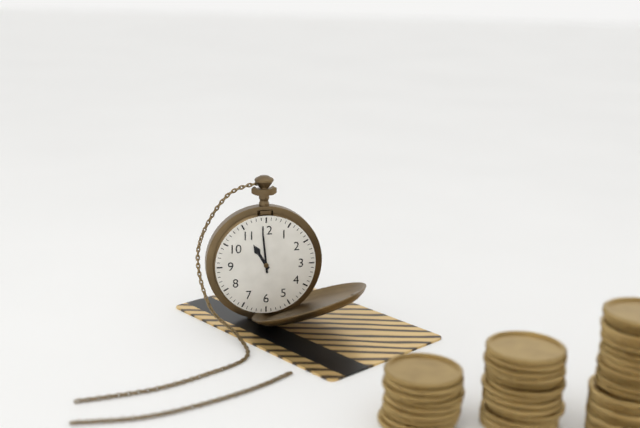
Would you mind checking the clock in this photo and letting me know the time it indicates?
10:59
